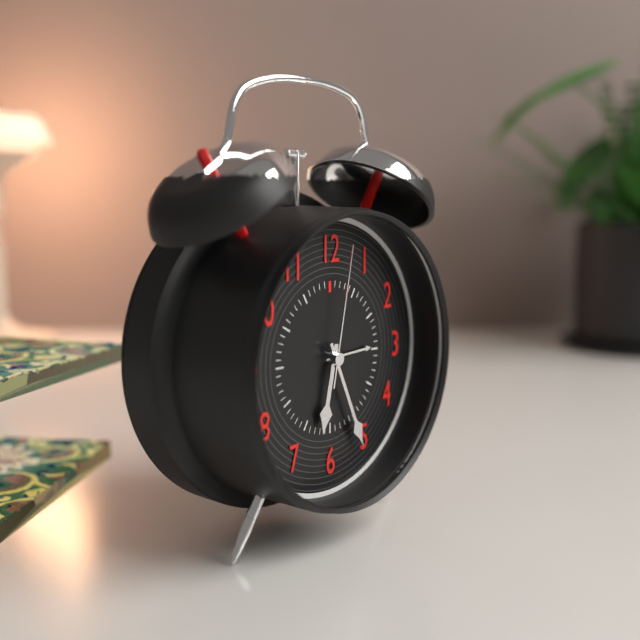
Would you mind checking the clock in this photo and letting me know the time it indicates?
6:26:02
